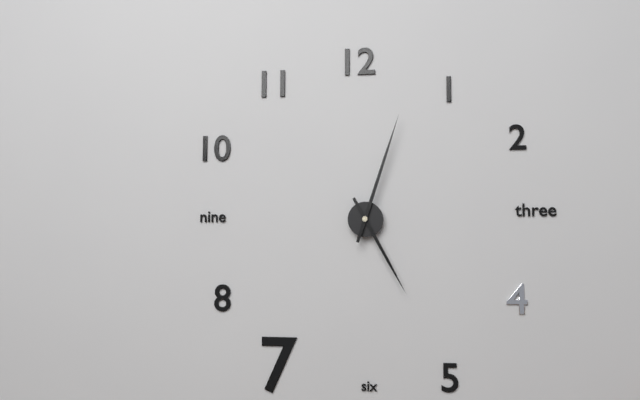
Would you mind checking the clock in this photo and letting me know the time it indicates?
5:03
